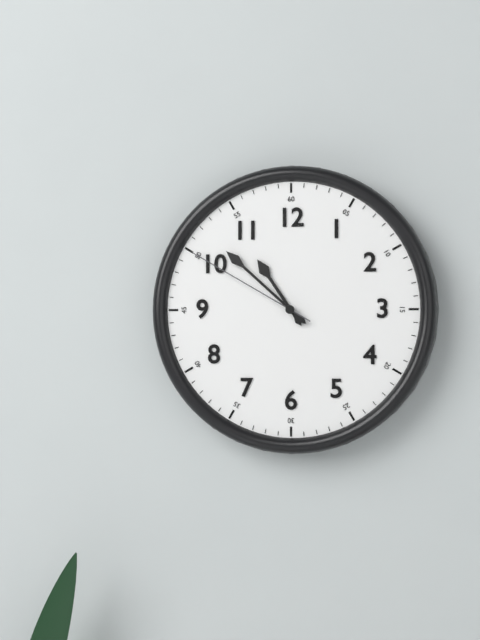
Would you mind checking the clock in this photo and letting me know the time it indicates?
10:52:50
